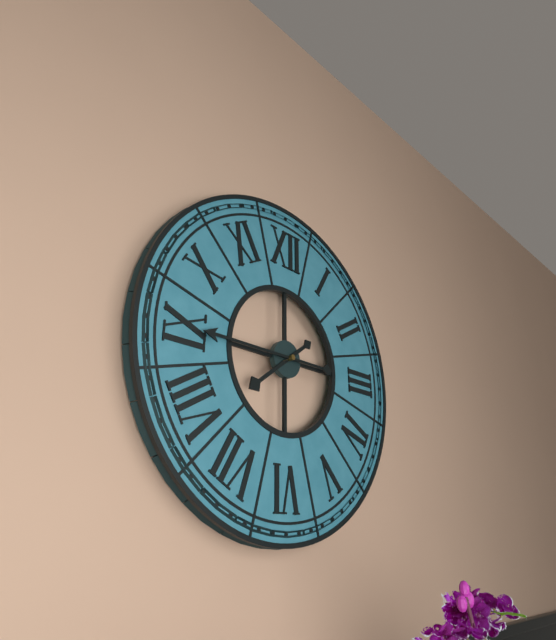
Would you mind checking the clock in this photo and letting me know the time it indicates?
7:45
